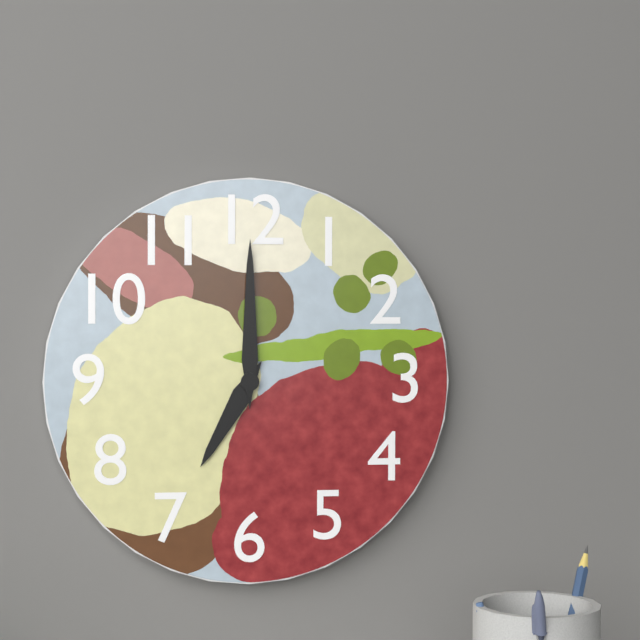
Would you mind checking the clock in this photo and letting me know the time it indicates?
7:00
